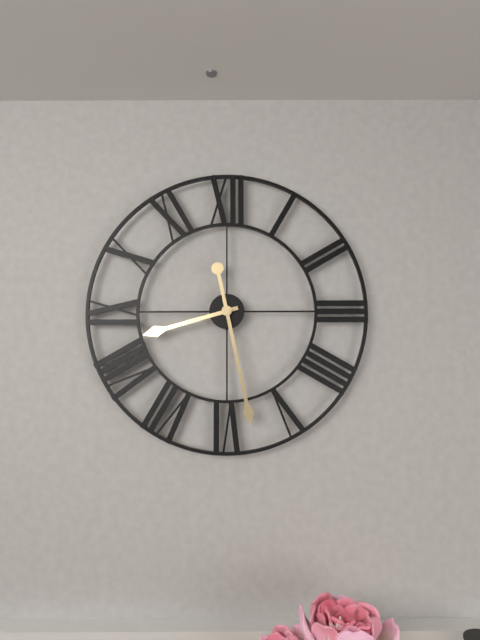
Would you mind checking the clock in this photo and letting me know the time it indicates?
8:28
